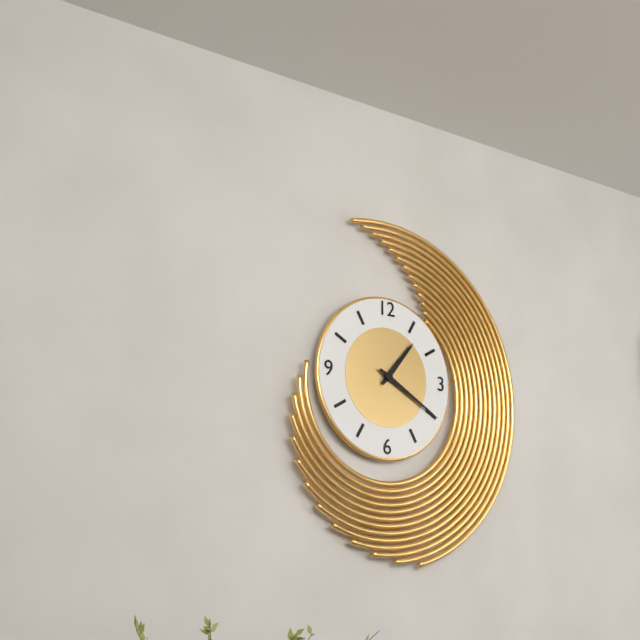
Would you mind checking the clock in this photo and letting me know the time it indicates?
1:20
